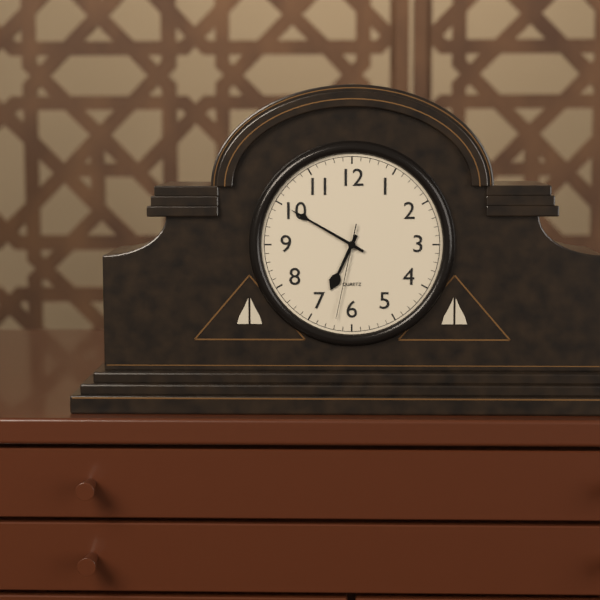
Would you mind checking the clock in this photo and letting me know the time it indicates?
6:50:32
